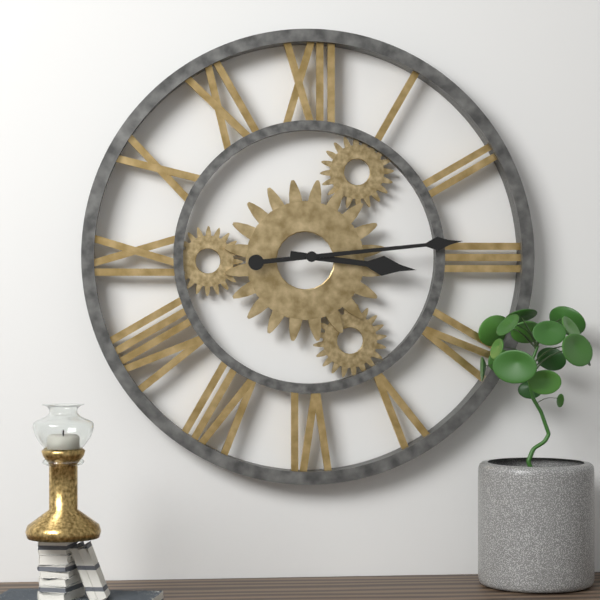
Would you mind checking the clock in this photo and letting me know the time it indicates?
3:14
